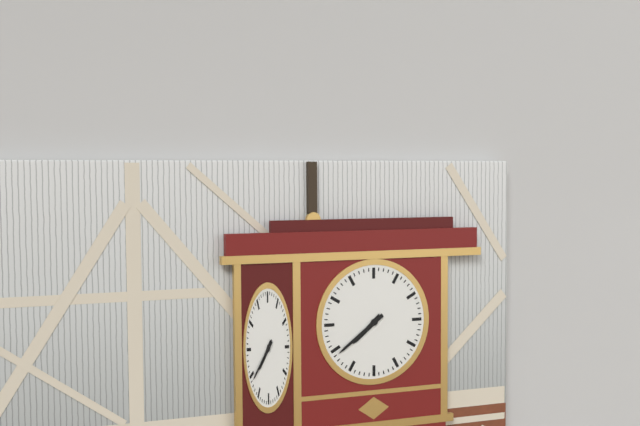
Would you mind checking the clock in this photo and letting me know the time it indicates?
7:39
